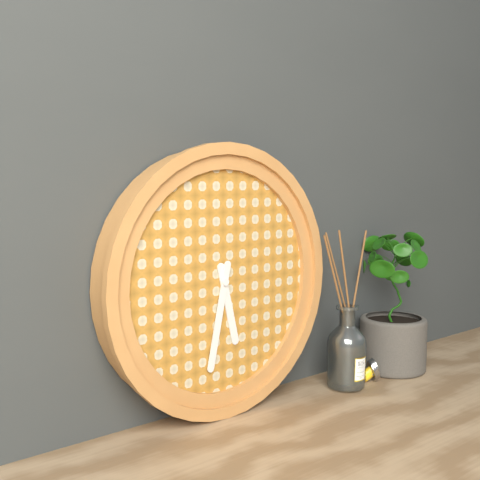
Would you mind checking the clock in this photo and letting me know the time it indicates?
5:32
